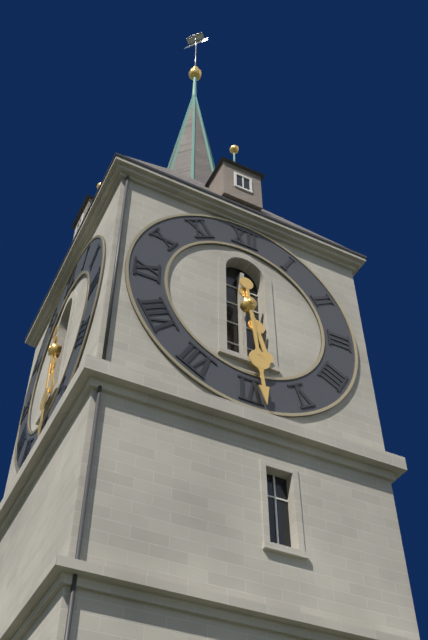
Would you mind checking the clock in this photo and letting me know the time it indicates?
5:29
